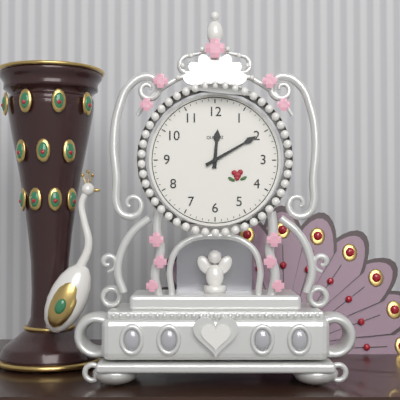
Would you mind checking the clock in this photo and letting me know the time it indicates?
12:10
